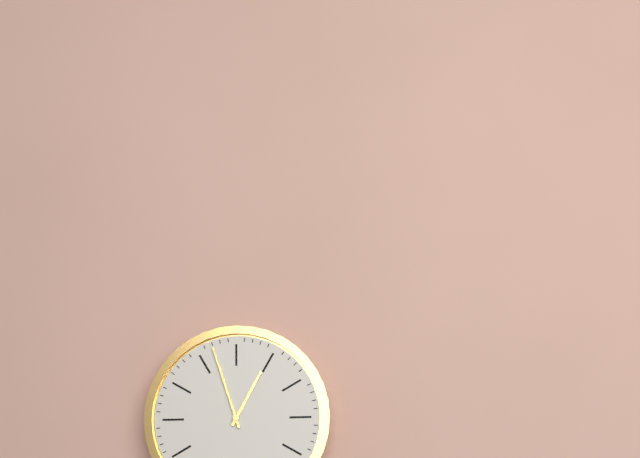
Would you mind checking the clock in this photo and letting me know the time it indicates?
12:57
